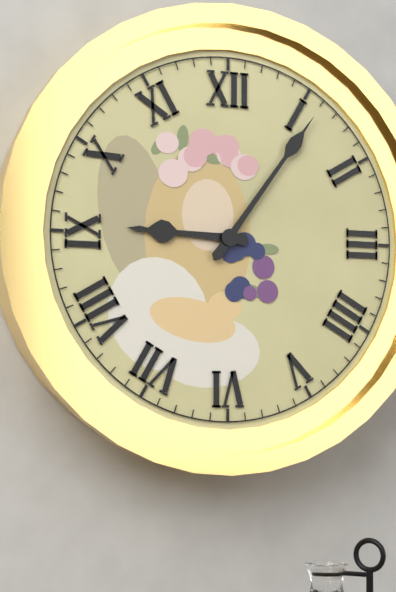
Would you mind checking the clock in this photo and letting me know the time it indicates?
9:06
